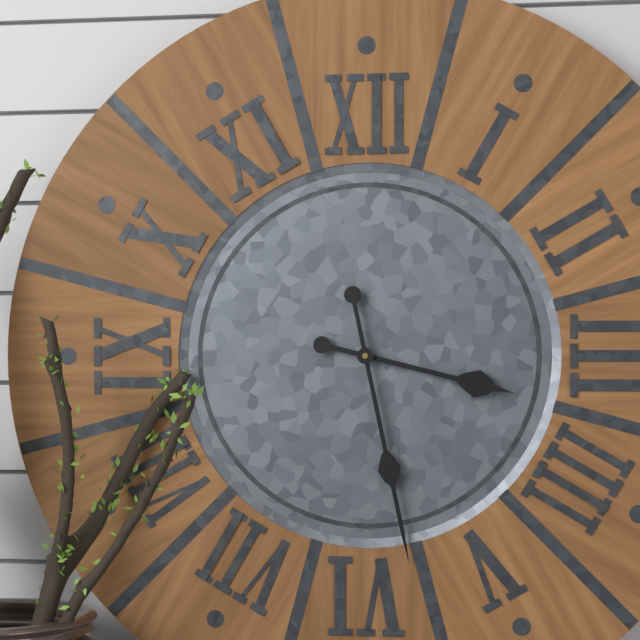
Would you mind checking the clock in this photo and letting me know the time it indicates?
3:28
